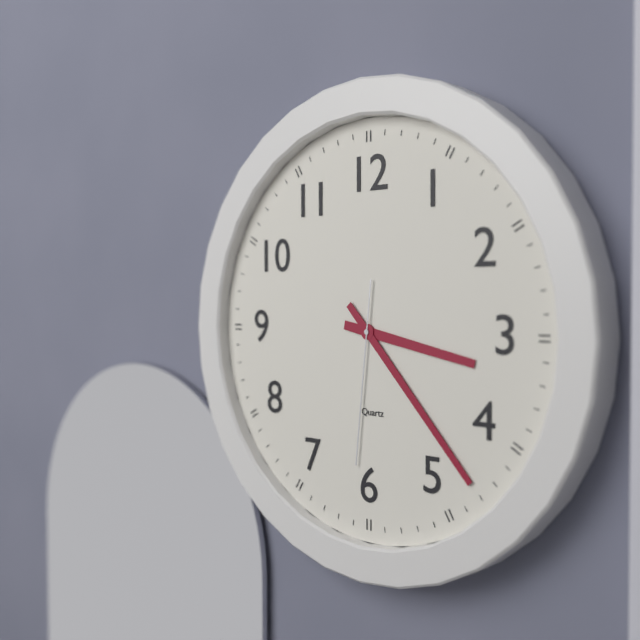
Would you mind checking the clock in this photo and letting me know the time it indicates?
3:23:31
